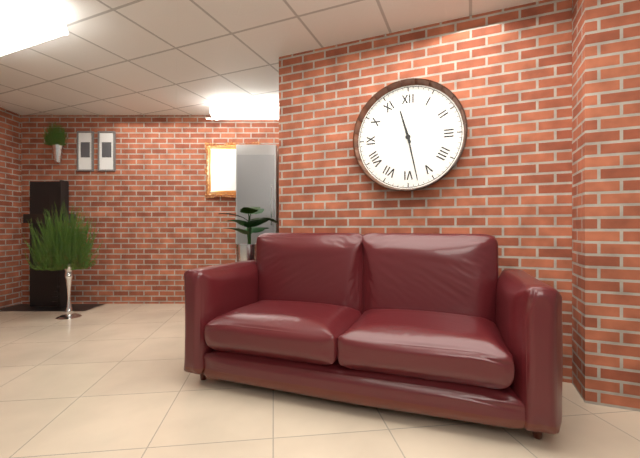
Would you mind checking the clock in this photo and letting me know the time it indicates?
11:28
